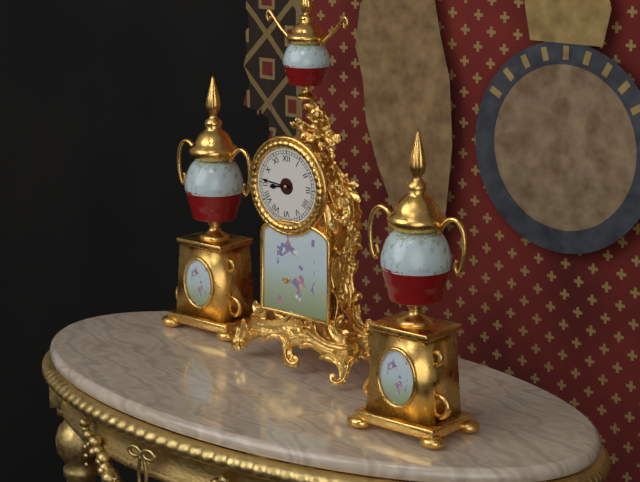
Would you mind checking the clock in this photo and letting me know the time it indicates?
8:46
